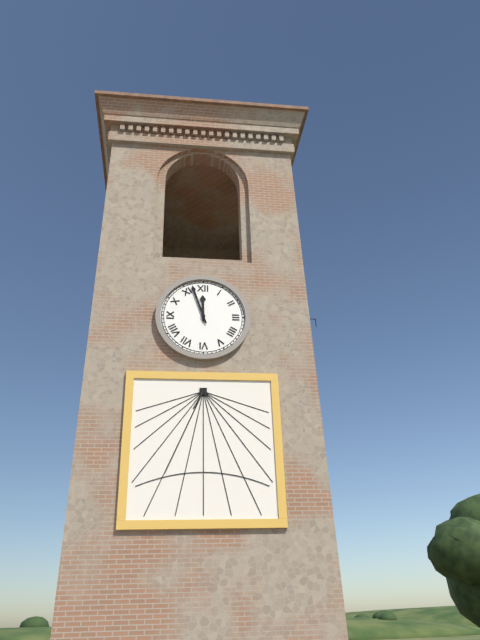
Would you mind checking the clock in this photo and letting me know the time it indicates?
11:57
